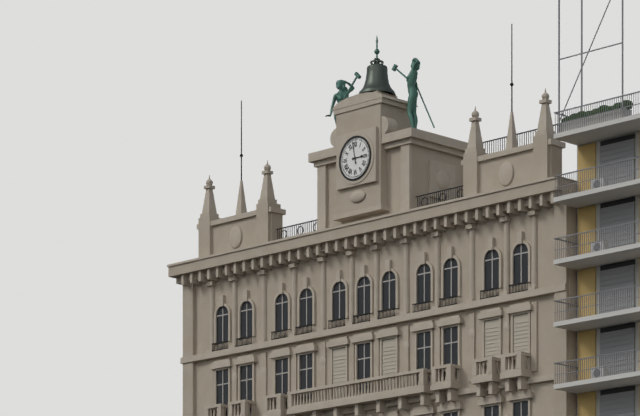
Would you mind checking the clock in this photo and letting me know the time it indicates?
2:58
